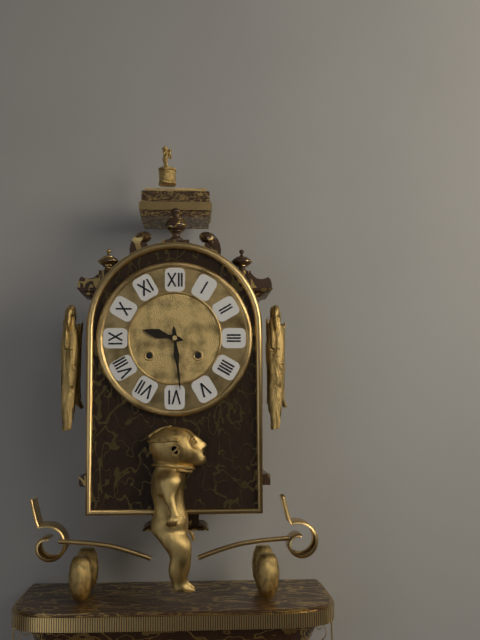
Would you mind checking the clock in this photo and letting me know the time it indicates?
9:29
